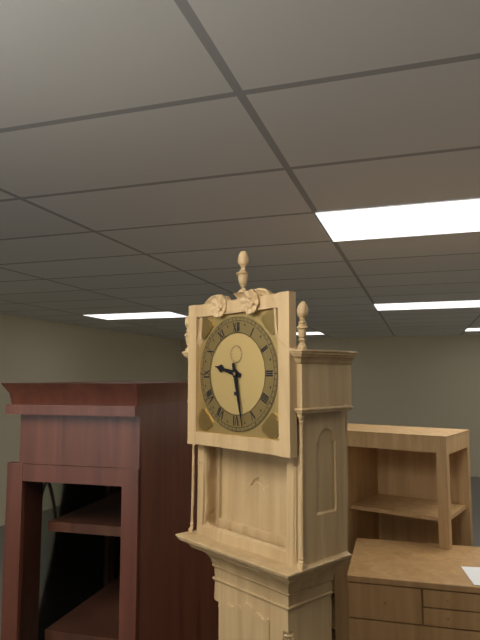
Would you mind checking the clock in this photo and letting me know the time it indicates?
9:28
